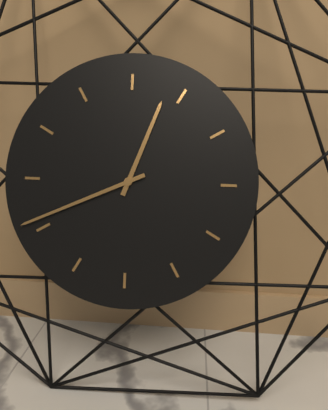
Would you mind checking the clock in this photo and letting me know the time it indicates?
12:41
